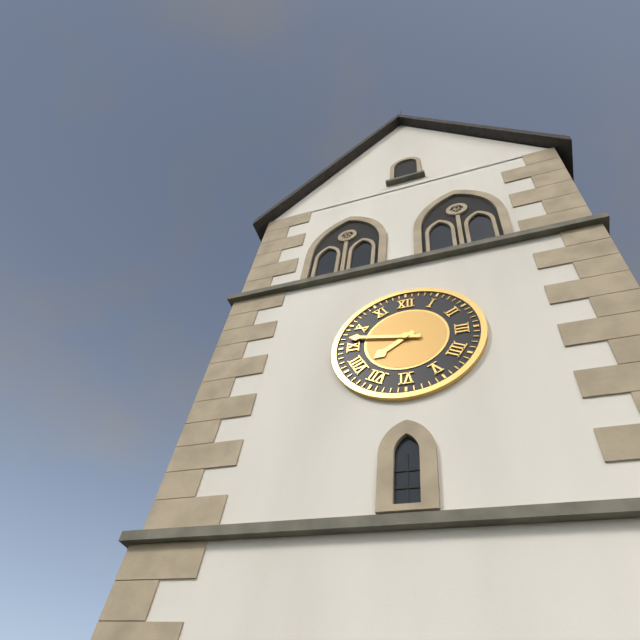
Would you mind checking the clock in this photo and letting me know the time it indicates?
7:47
